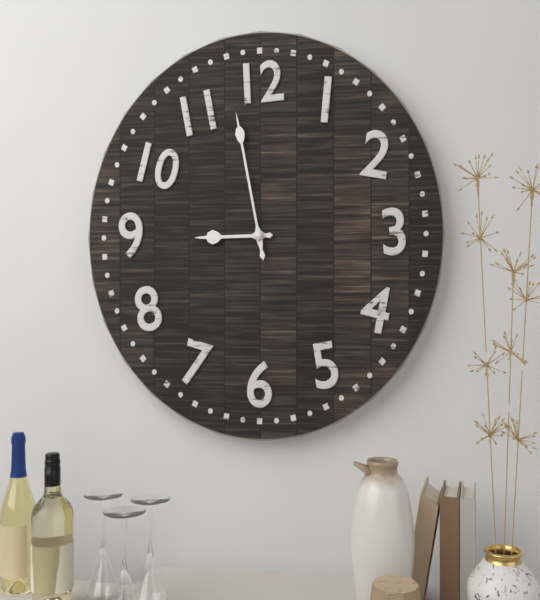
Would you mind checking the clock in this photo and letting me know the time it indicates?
8:58
